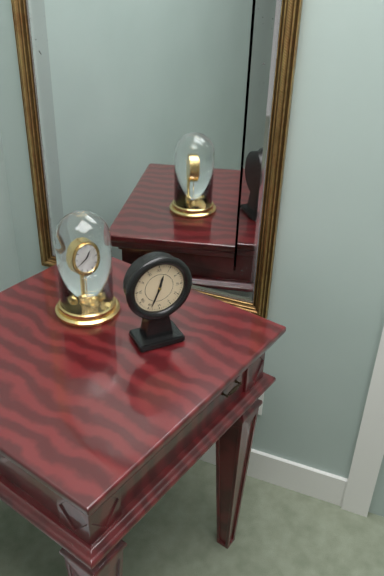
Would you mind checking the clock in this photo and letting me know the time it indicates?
12:34
